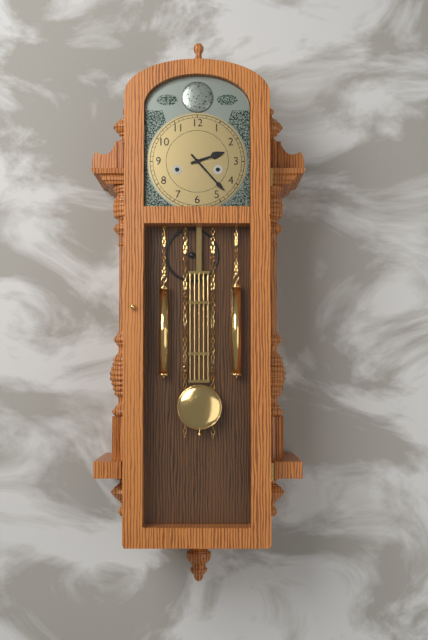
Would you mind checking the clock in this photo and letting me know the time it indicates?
2:23
